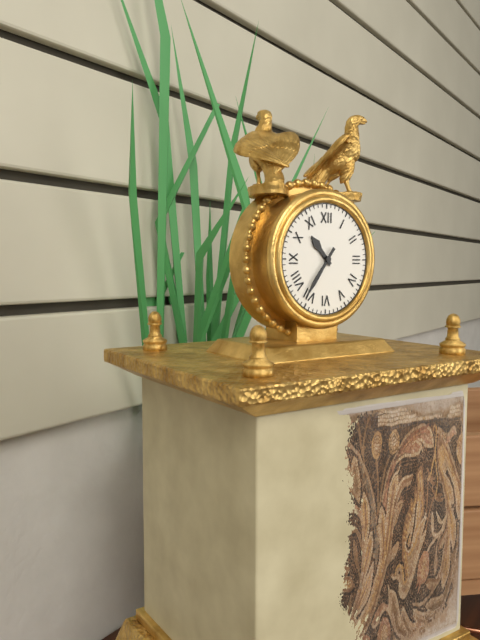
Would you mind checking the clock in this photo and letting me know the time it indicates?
10:36
